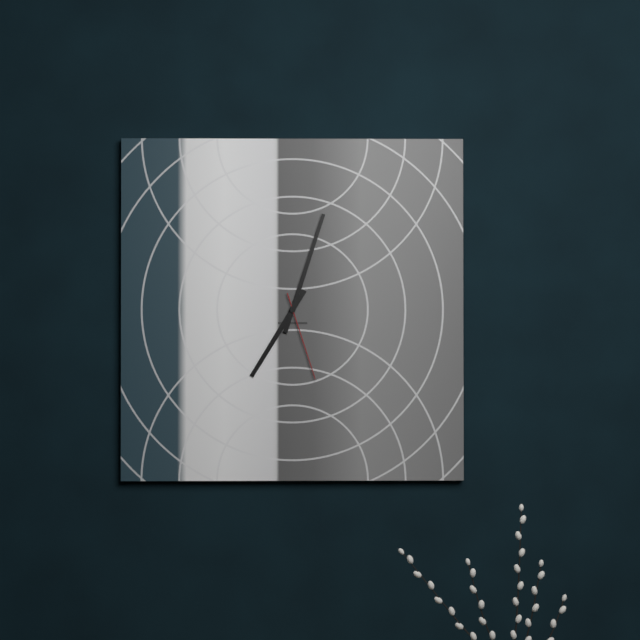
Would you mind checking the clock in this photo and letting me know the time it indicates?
7:03:27
